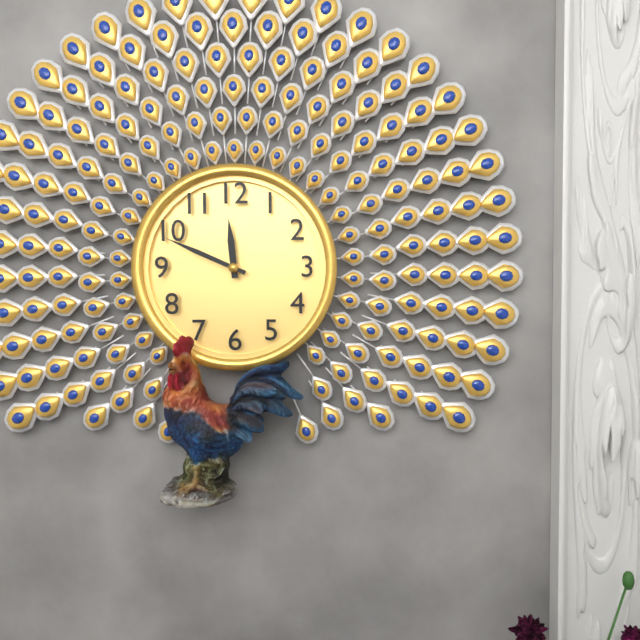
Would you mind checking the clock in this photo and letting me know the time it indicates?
11:49
